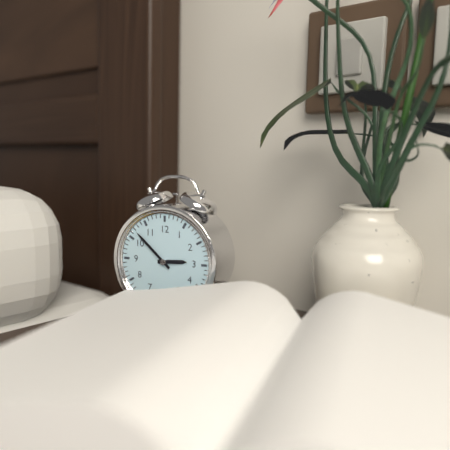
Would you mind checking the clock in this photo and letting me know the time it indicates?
2:52
